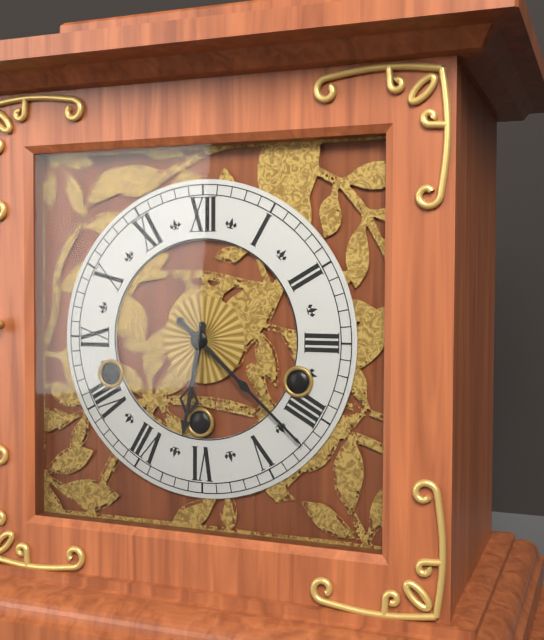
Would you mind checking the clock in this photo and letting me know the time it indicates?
6:22
